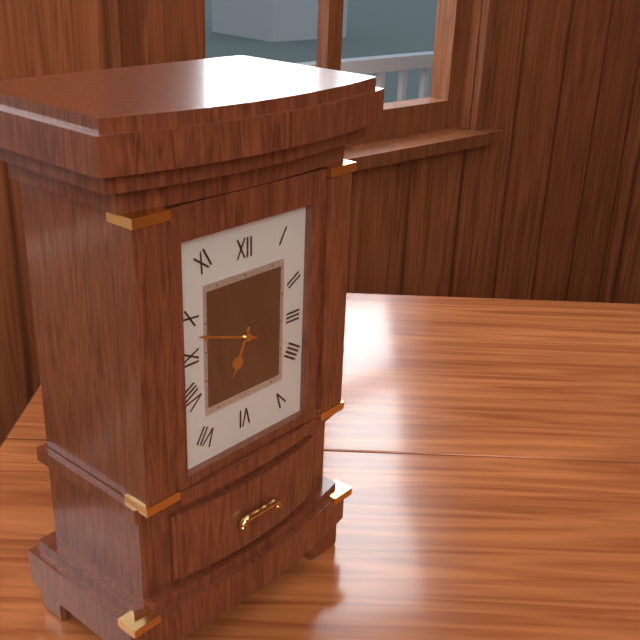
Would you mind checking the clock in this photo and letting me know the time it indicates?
6:48
